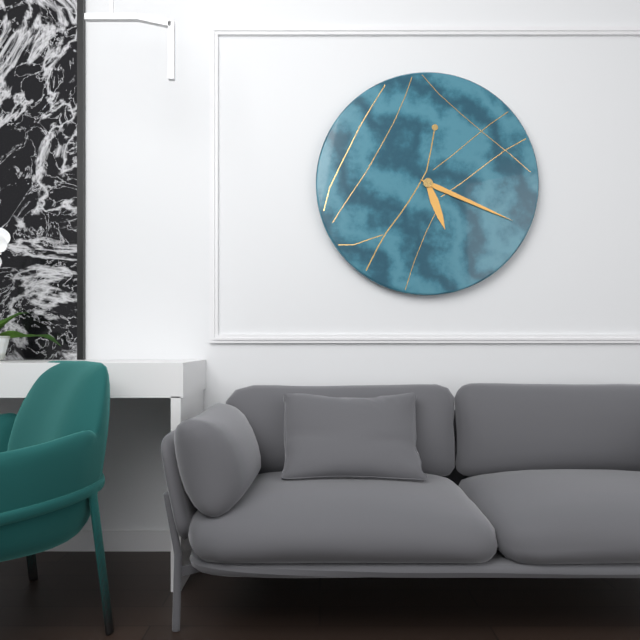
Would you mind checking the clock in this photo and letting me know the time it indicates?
5:19
